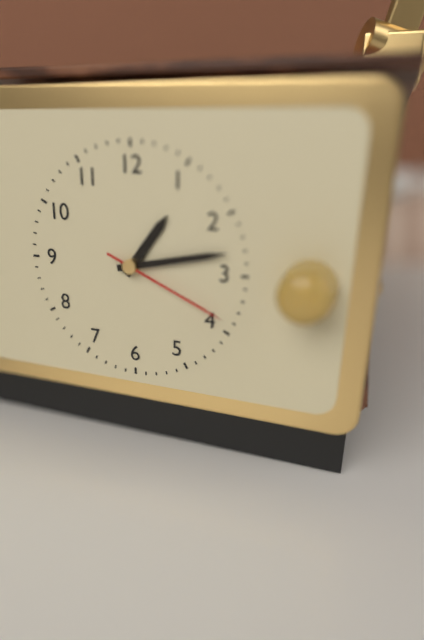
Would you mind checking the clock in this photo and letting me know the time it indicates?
1:13:19
